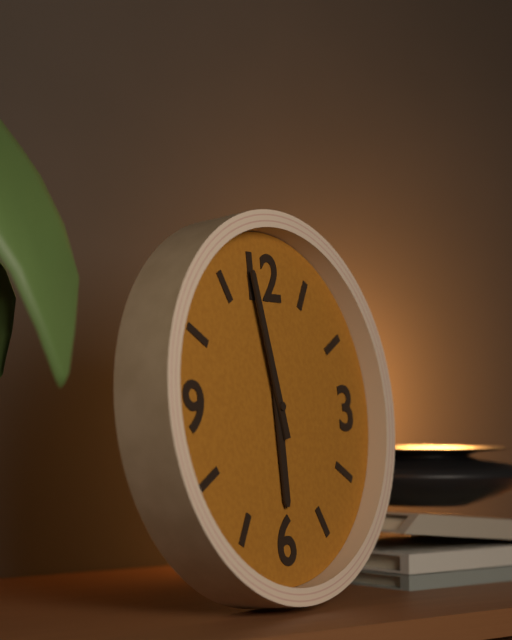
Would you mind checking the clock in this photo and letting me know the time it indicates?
5:58
